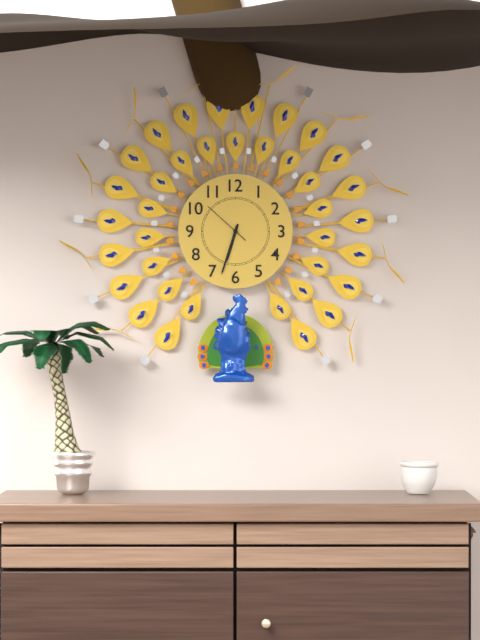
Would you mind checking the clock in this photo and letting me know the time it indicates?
6:33
